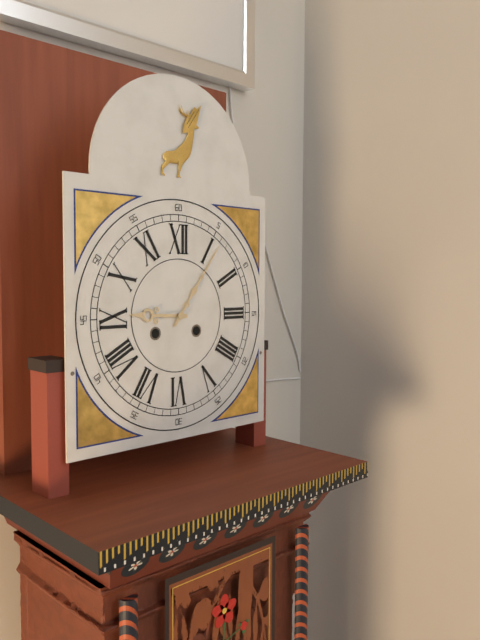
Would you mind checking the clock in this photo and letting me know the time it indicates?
9:06
